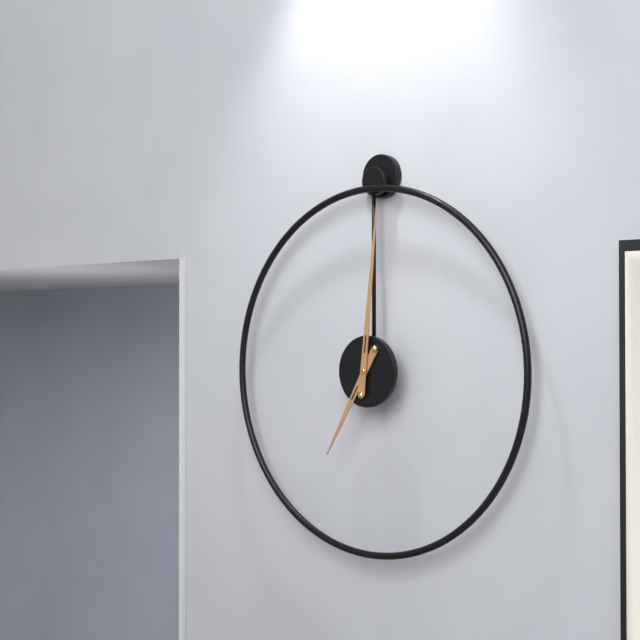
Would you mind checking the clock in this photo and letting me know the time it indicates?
7:01
